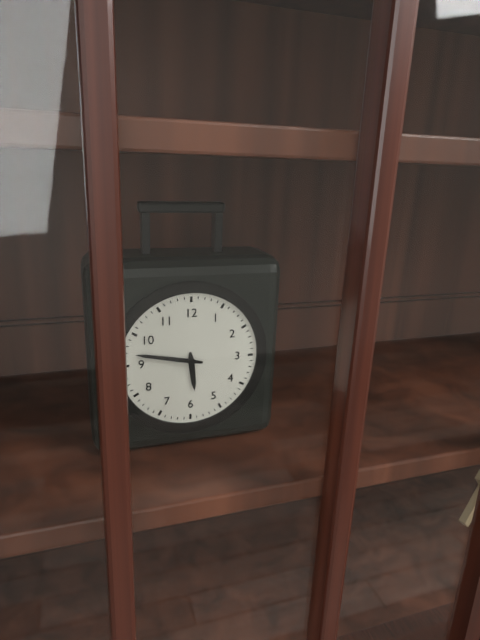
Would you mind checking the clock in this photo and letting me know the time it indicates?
5:47
